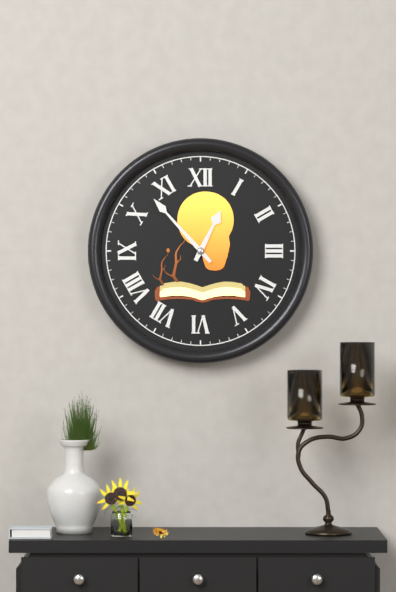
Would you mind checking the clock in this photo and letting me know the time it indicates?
12:53
